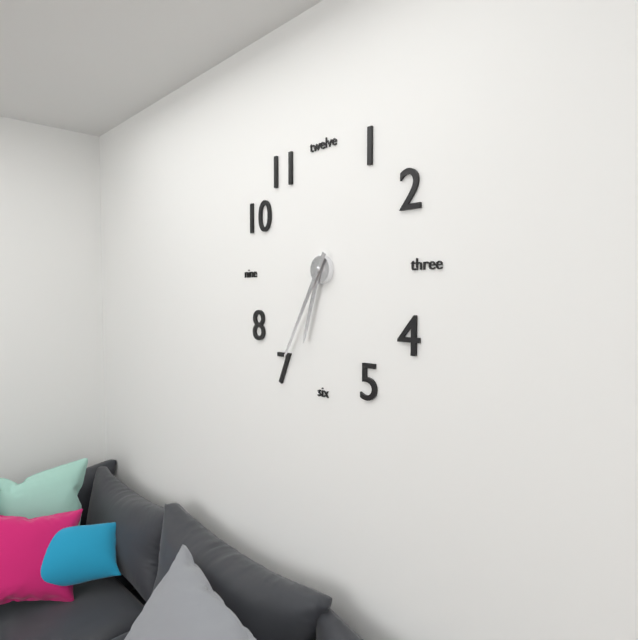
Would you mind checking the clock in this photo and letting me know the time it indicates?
6:35
